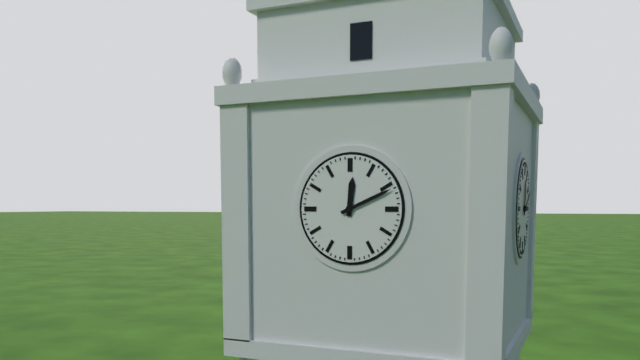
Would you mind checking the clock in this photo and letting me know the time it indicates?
12:11
